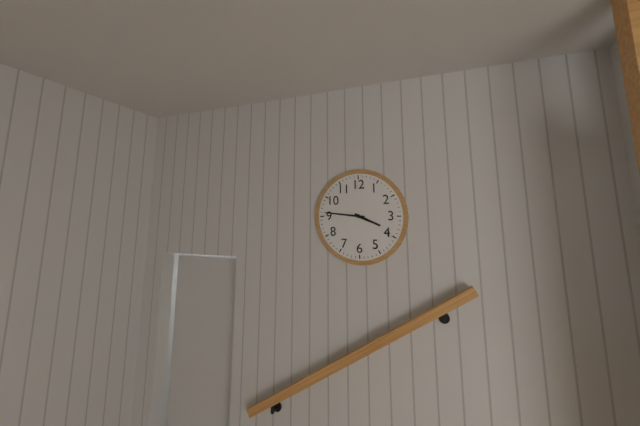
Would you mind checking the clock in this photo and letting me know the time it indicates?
3:46
